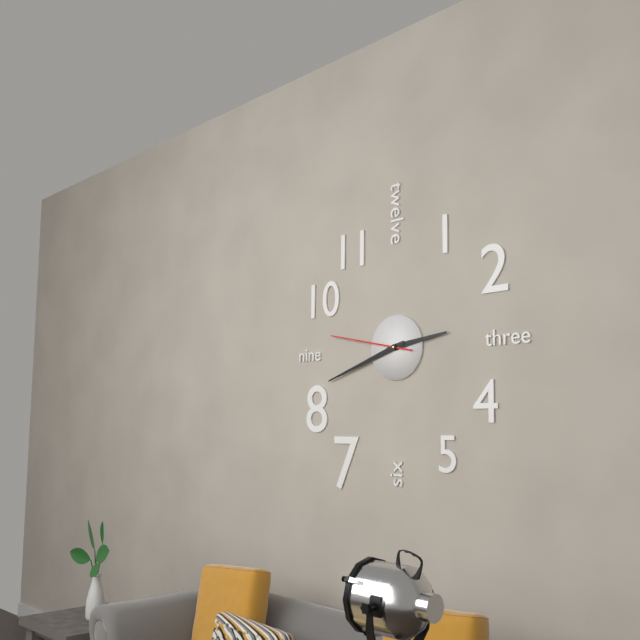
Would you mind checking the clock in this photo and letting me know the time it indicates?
2:42:47
